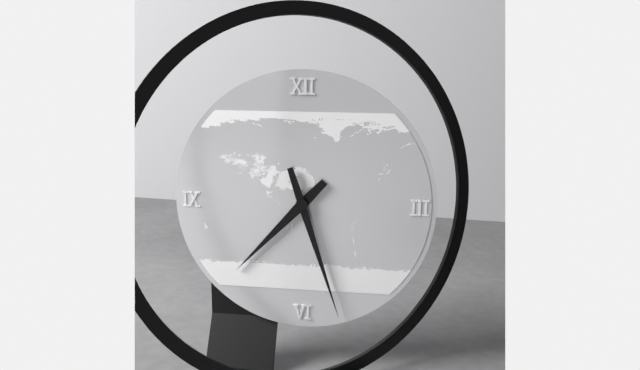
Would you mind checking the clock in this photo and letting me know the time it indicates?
7:27
